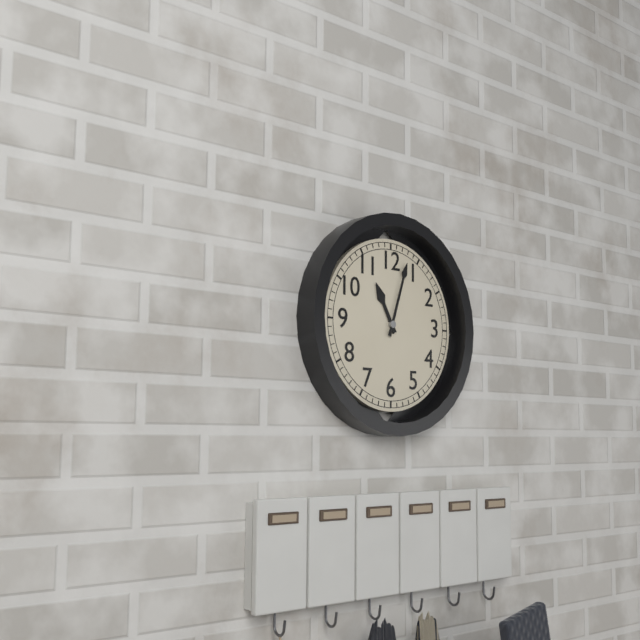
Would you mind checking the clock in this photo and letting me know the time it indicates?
11:03
